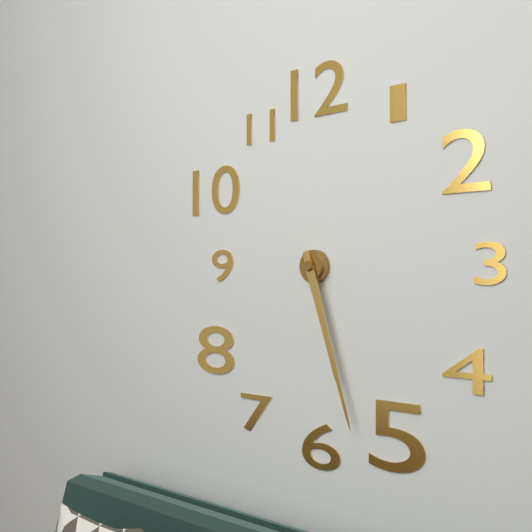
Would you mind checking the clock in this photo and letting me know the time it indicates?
5:27
